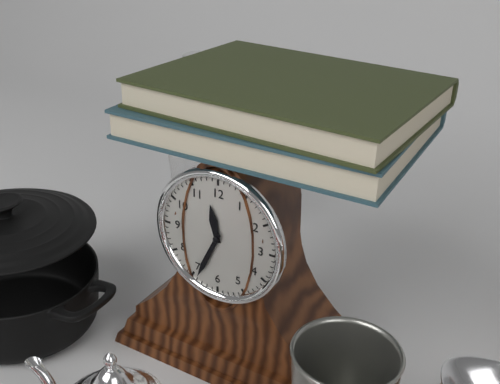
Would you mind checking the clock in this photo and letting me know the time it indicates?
11:34
